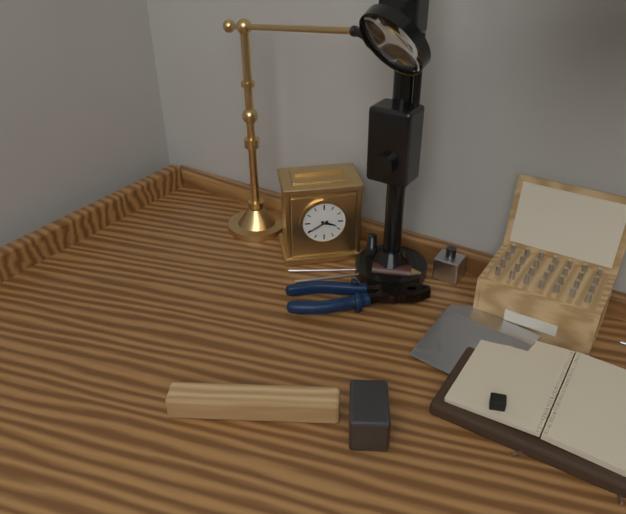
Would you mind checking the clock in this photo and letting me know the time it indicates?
3:40
